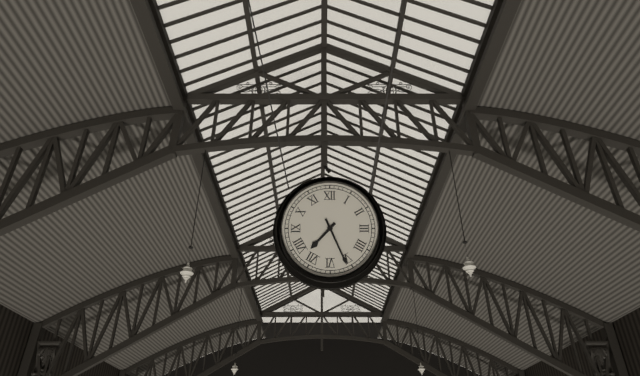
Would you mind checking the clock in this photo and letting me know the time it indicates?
7:26
